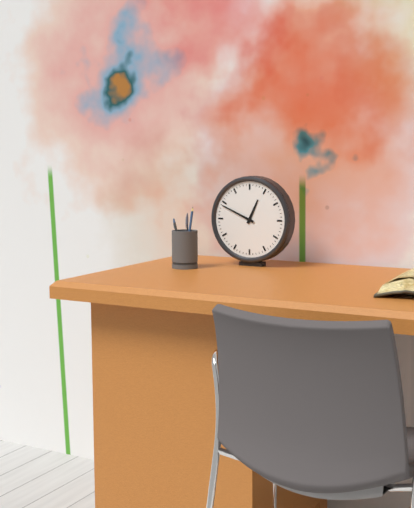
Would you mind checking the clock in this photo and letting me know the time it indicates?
12:49
